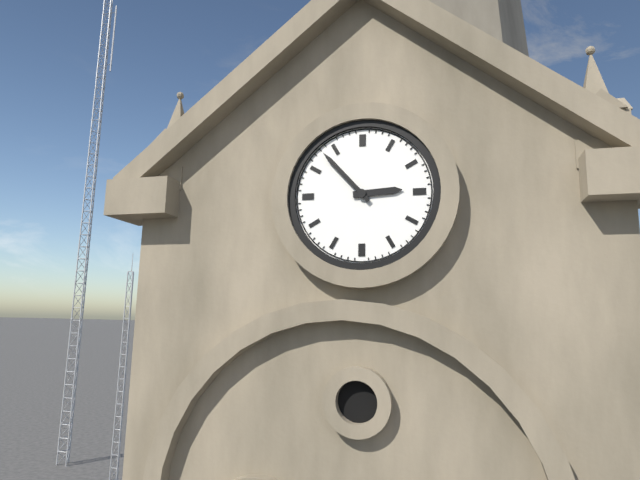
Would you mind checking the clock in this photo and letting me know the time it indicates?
2:53
